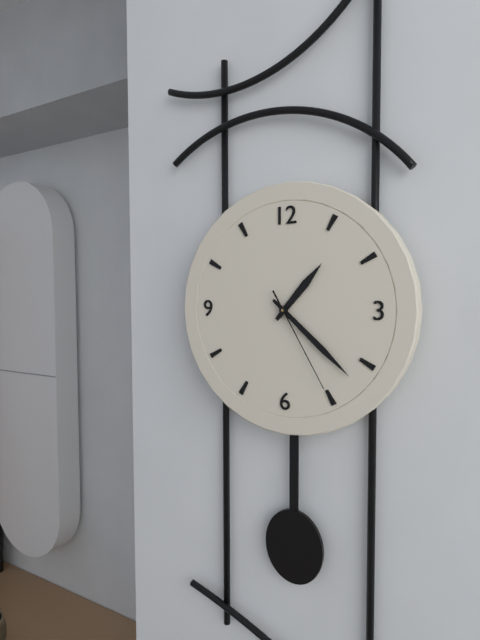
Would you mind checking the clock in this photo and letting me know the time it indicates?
1:22:25
